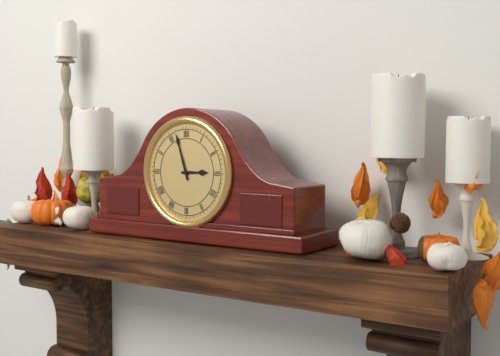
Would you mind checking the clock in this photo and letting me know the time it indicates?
2:57
